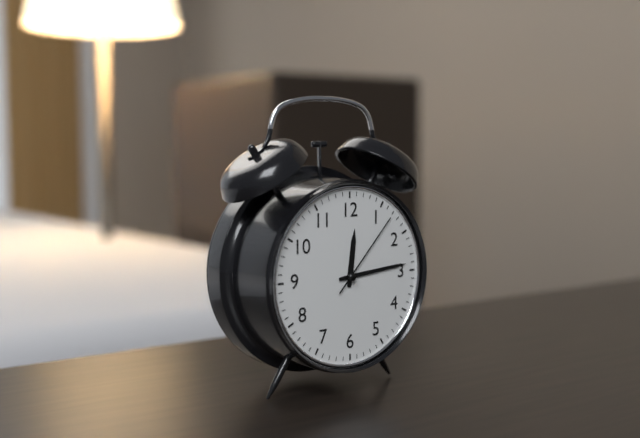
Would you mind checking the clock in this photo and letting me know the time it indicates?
12:14:07
